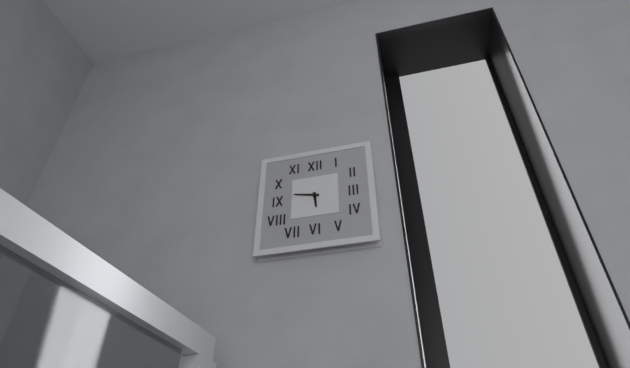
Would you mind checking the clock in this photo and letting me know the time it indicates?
5:47
